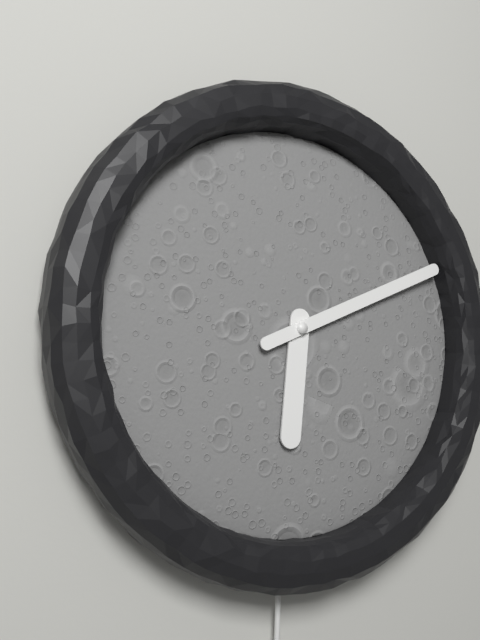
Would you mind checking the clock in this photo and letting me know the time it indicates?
6:11
